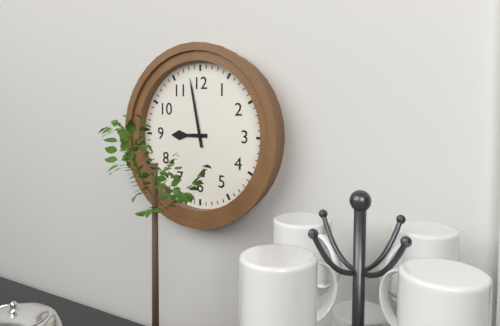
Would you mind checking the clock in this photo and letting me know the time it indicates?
8:58
